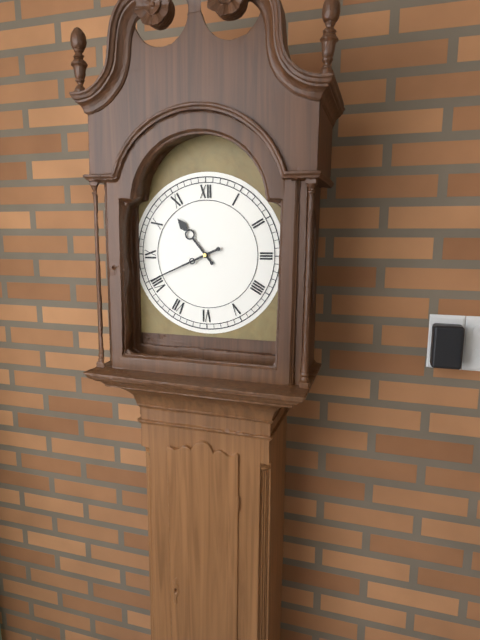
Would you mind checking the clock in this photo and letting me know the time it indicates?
10:41
